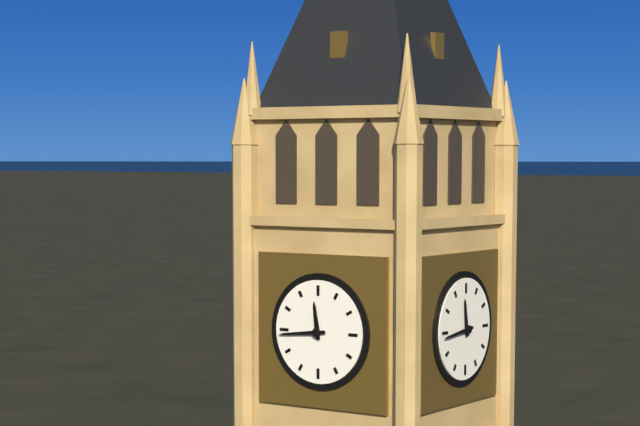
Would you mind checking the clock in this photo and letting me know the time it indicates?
11:44
